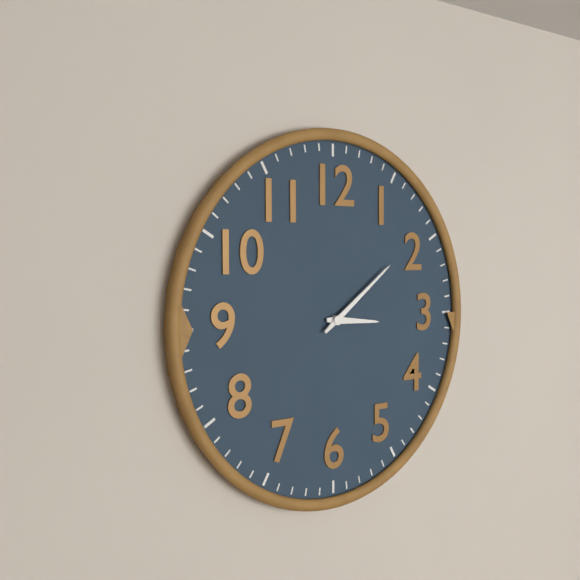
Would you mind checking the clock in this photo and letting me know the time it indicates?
3:09
